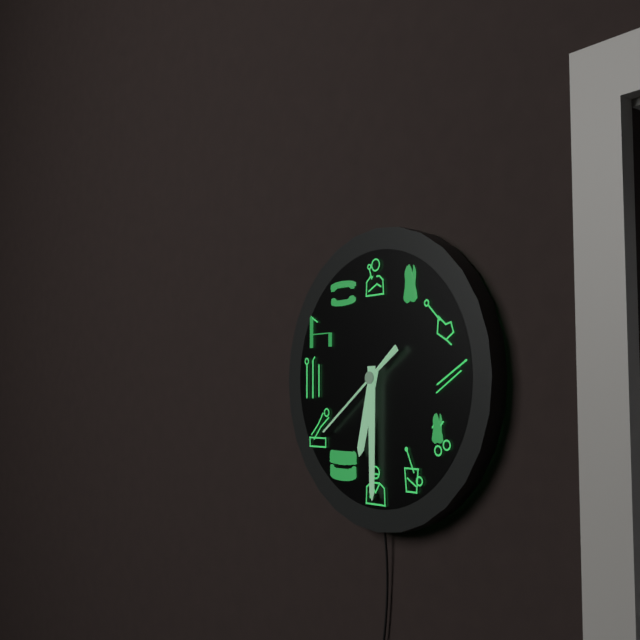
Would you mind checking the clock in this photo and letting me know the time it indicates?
6:30:39
